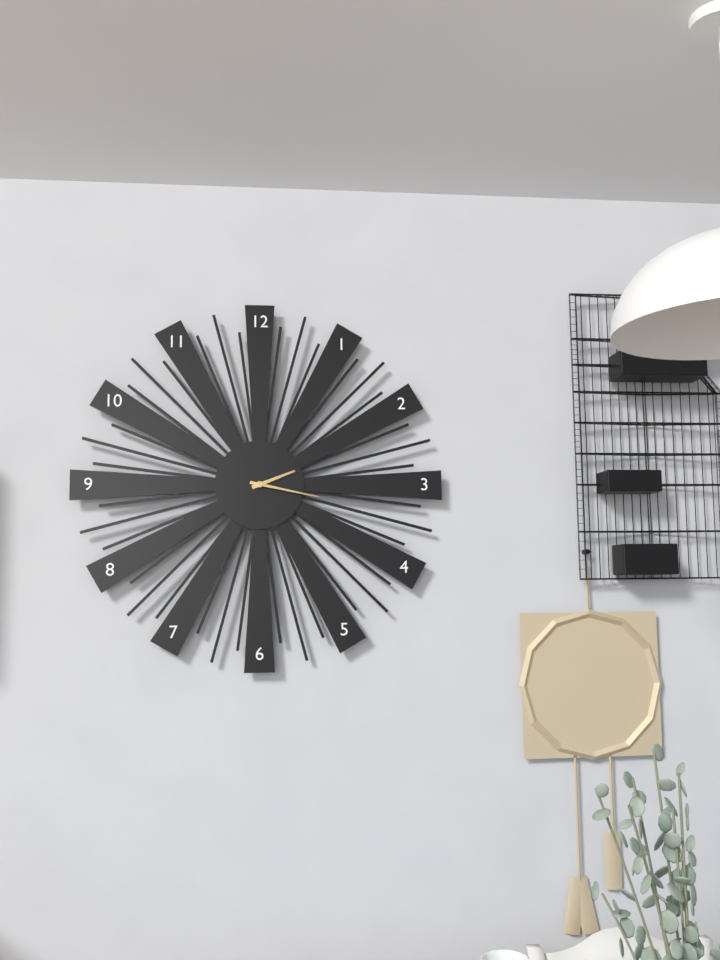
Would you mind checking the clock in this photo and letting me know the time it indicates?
2:17
